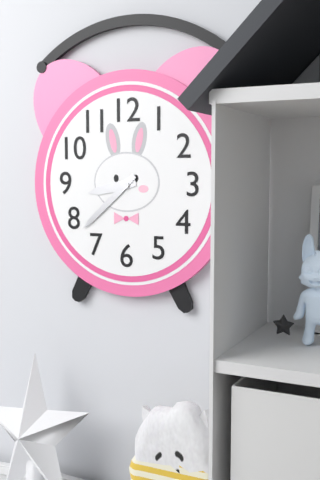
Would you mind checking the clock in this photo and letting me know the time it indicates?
8:38
